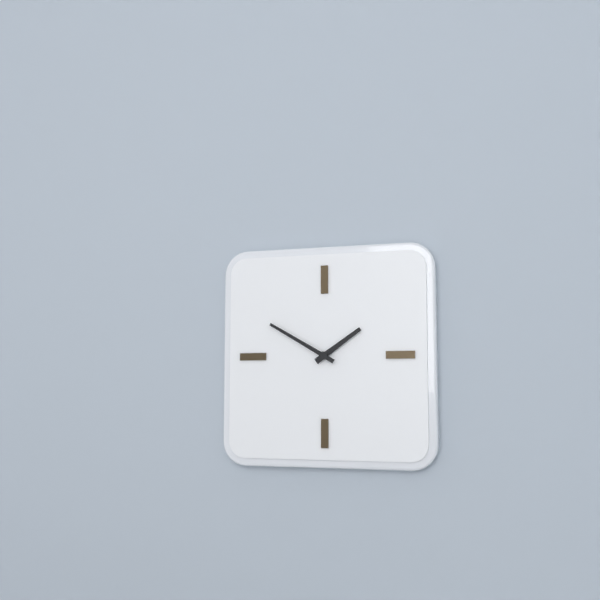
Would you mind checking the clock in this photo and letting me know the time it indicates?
1:50
